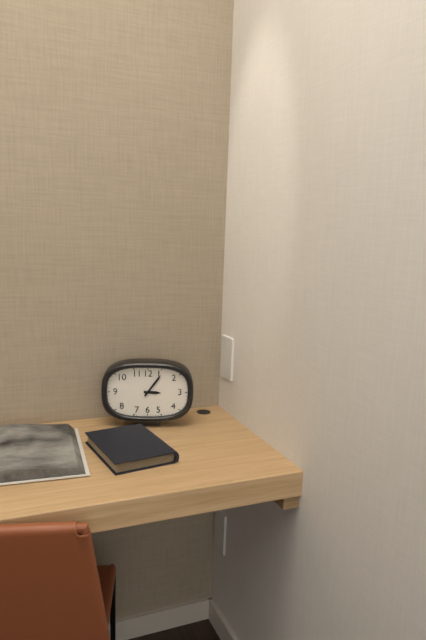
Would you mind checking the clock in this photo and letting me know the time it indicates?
3:06
